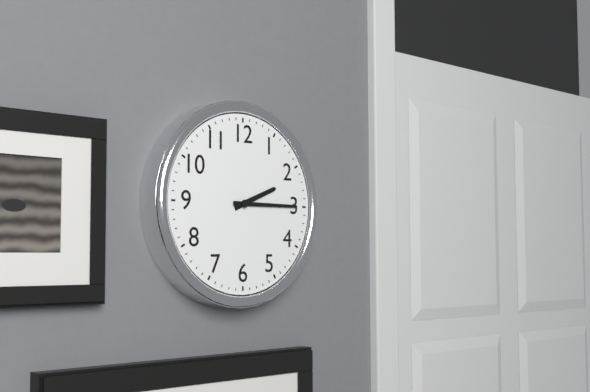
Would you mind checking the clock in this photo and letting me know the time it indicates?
2:15
